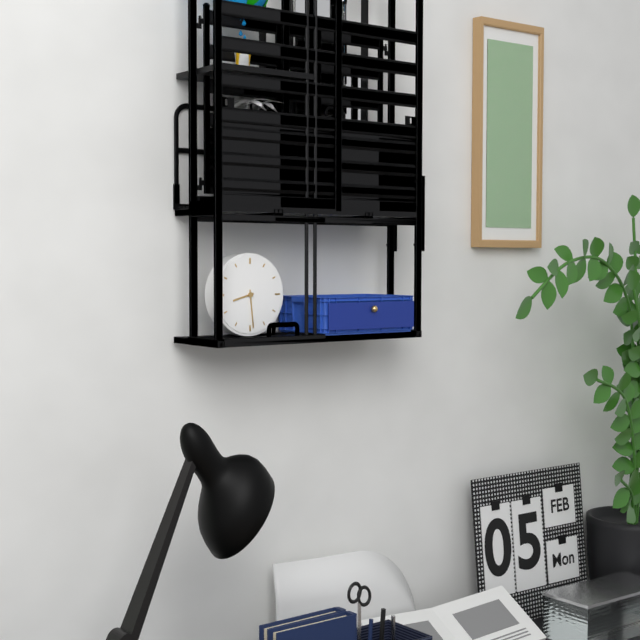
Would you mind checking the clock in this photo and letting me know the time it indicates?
8:29
